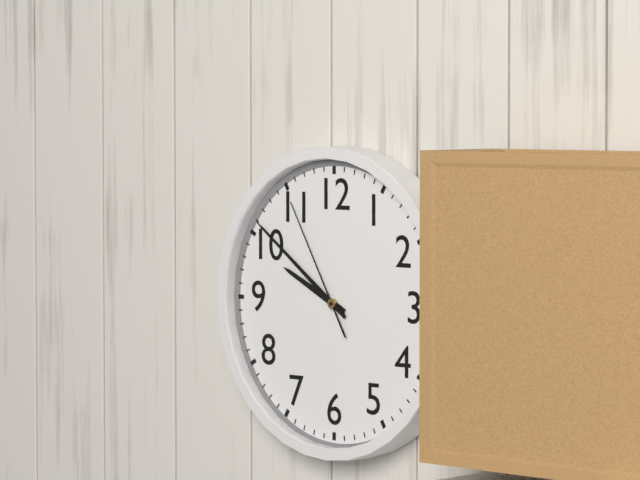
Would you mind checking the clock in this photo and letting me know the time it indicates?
9:51:55
